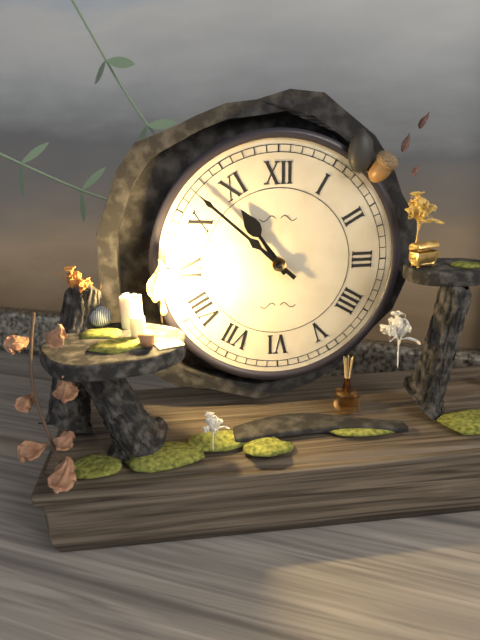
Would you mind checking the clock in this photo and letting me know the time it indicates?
10:52
